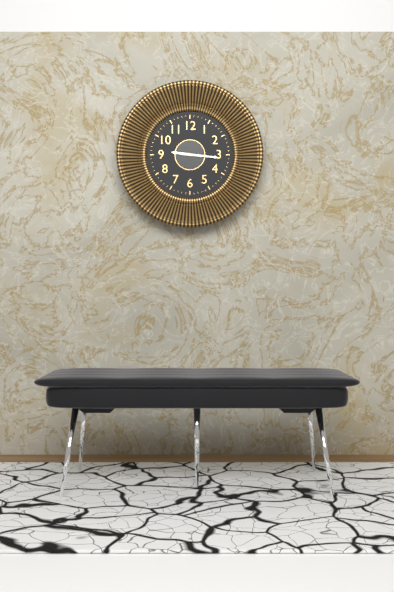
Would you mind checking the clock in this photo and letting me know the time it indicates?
9:16
